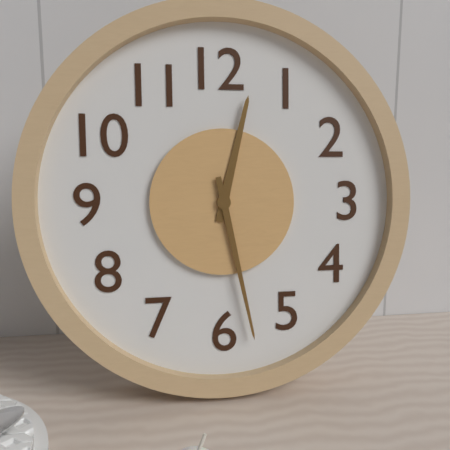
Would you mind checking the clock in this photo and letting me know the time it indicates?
12:28
